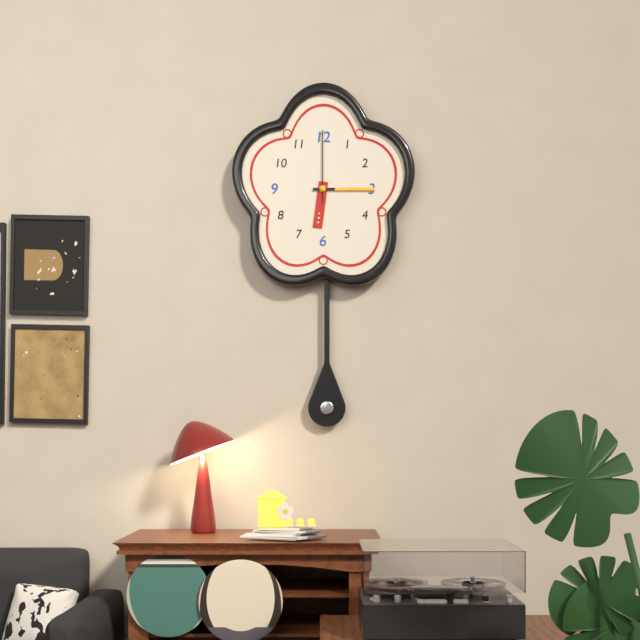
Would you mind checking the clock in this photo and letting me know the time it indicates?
6:15:00
